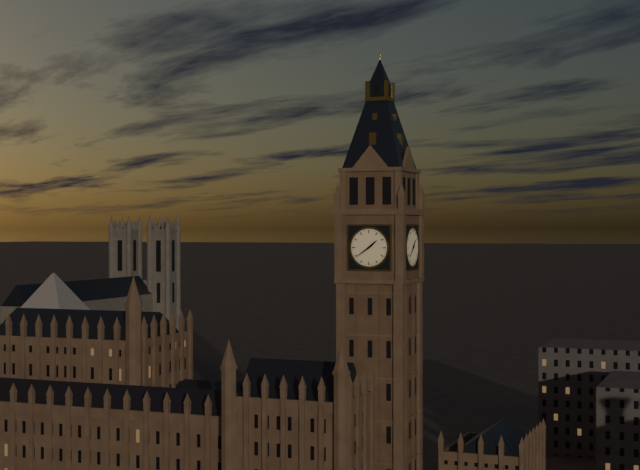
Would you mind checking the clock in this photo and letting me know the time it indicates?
1:39
